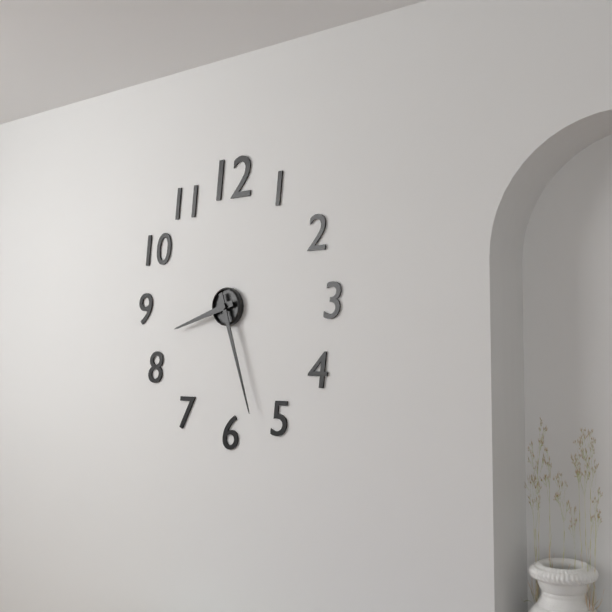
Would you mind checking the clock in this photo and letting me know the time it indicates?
8:27
